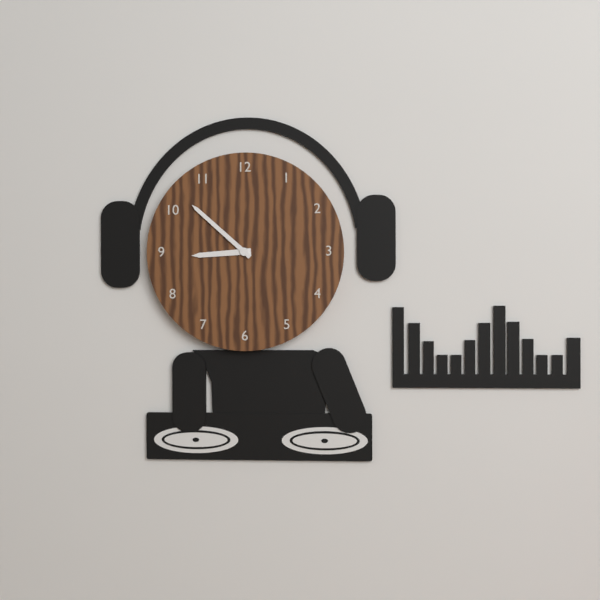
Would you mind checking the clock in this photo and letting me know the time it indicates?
8:52
